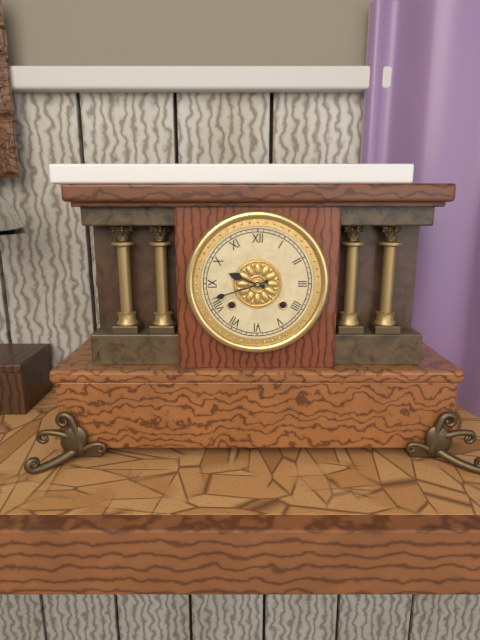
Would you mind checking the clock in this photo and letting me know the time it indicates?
9:42
